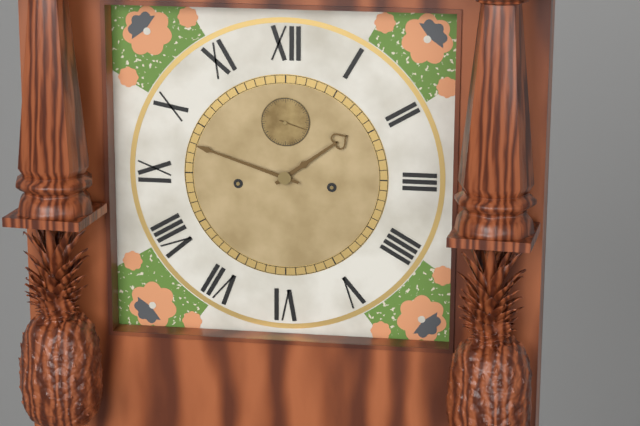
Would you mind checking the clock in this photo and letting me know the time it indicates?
1:48
